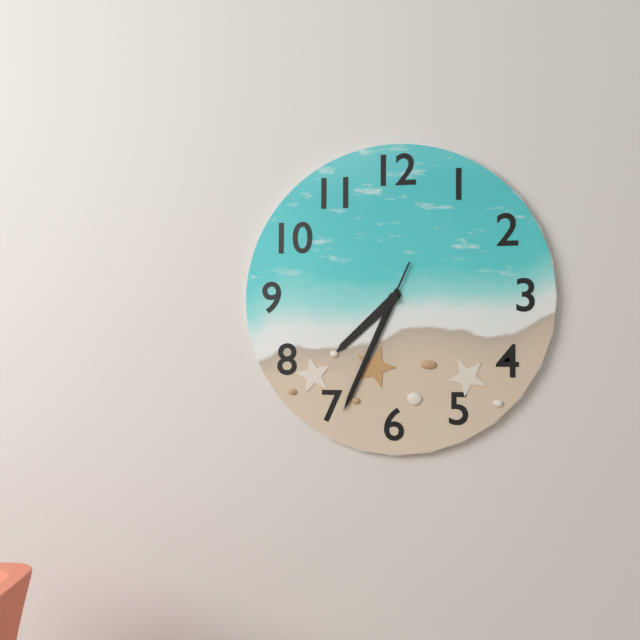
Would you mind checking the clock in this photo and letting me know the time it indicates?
7:34:34
